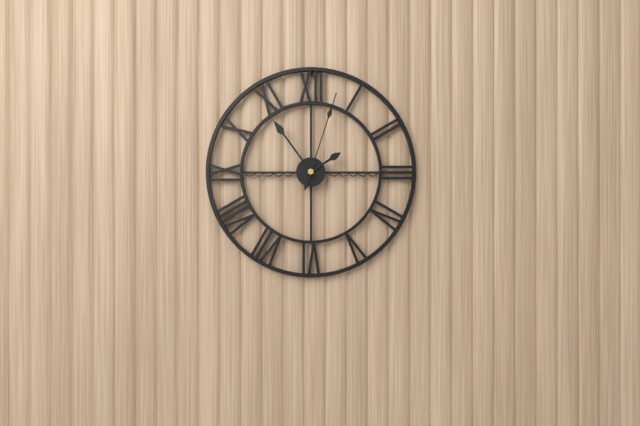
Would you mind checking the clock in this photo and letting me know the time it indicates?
1:54:03
